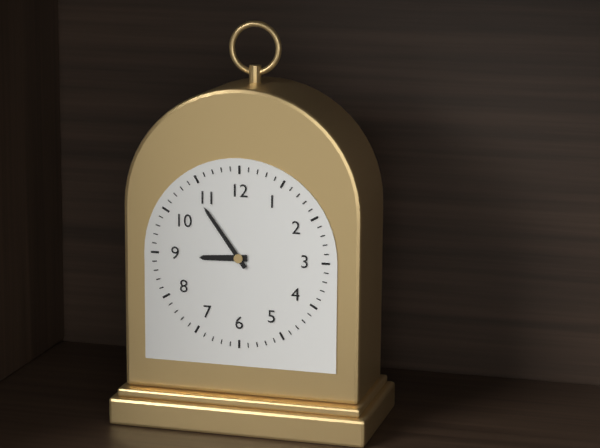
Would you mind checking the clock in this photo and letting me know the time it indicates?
8:54
